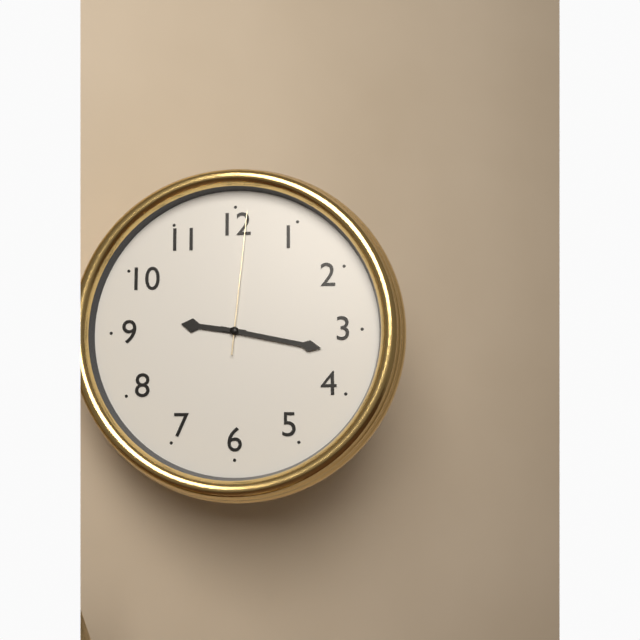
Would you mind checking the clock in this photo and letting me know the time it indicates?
9:17:01
